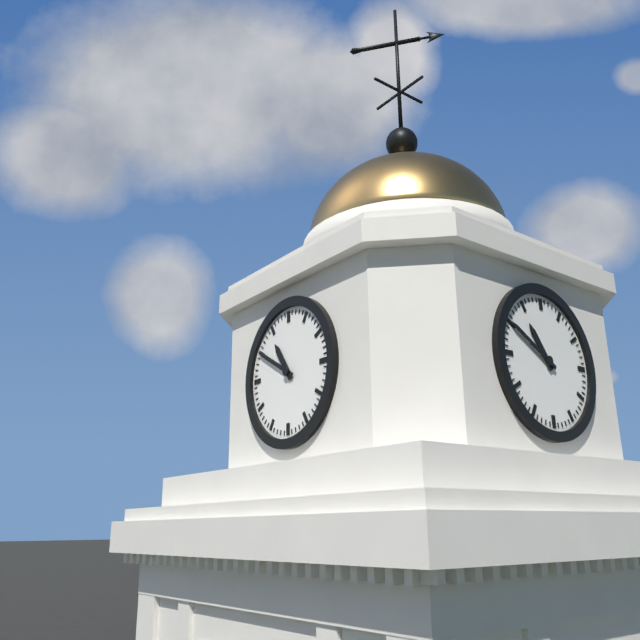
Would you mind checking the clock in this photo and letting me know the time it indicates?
10:50
